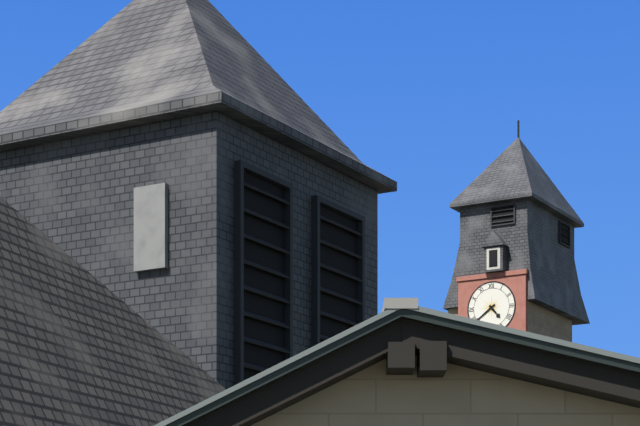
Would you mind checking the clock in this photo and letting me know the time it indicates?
4:39
